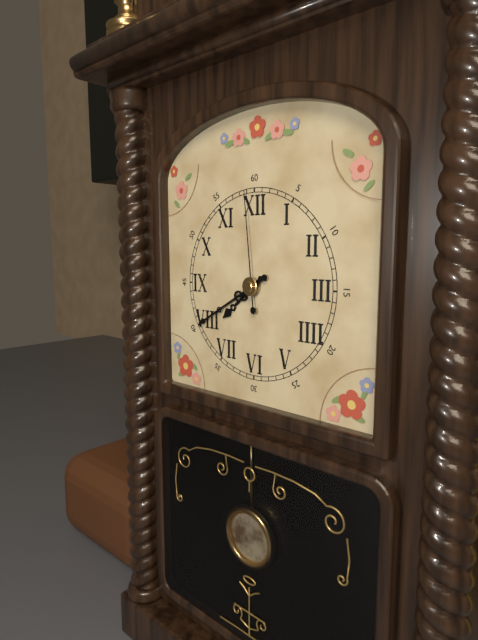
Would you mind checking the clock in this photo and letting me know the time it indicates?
7:40:59
